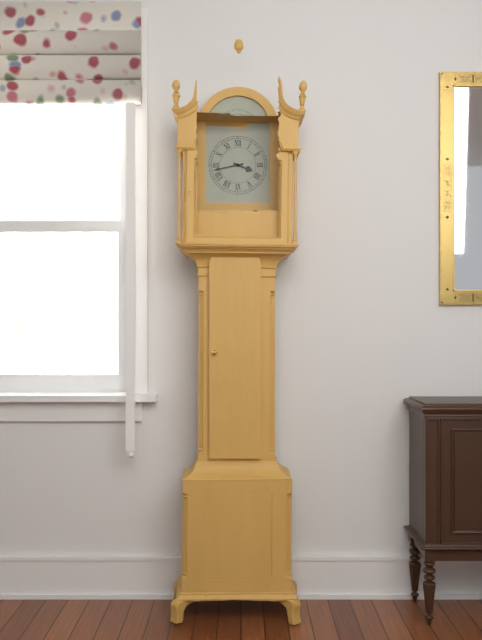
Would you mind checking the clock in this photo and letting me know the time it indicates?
3:43
